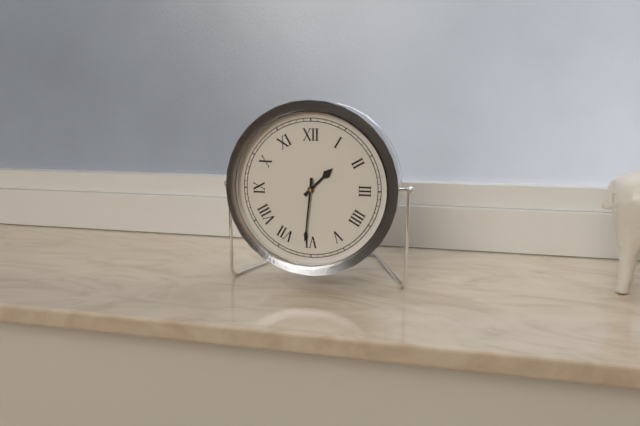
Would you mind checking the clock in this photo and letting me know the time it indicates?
1:31
